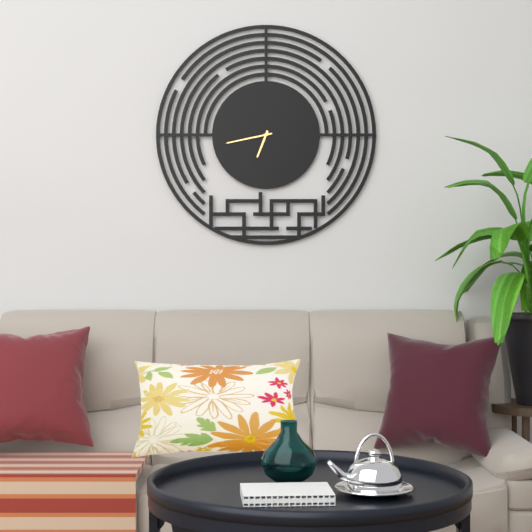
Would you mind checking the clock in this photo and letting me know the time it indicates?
6:43
